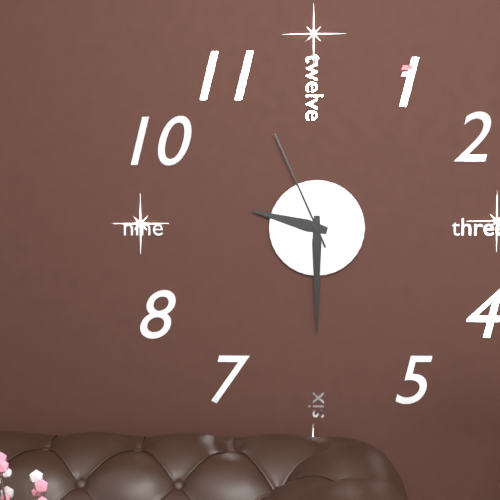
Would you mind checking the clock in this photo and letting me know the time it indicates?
9:30:56
